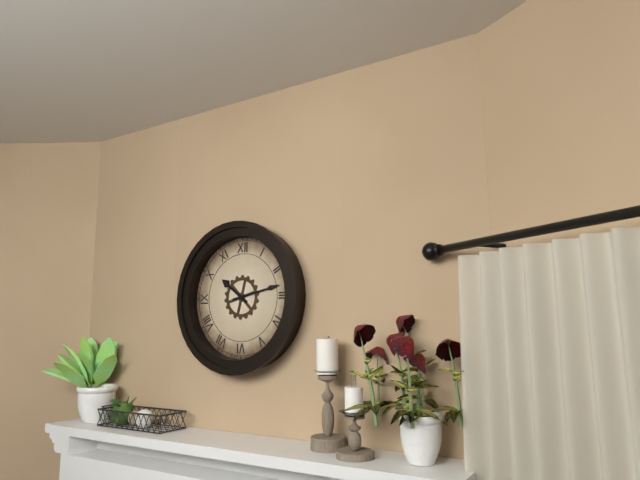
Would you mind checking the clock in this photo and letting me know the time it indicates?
10:13
